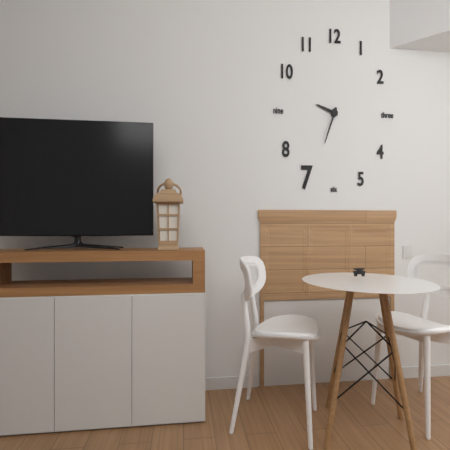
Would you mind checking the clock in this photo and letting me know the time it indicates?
9:34
